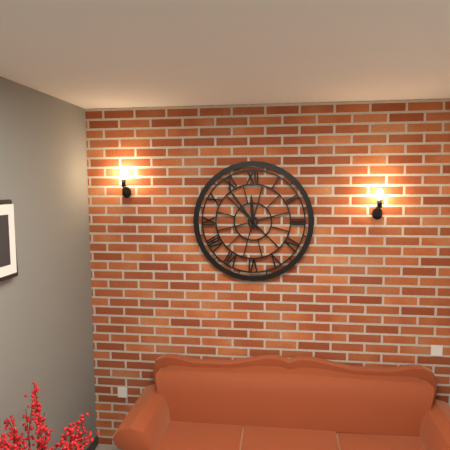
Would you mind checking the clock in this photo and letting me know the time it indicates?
11:54
